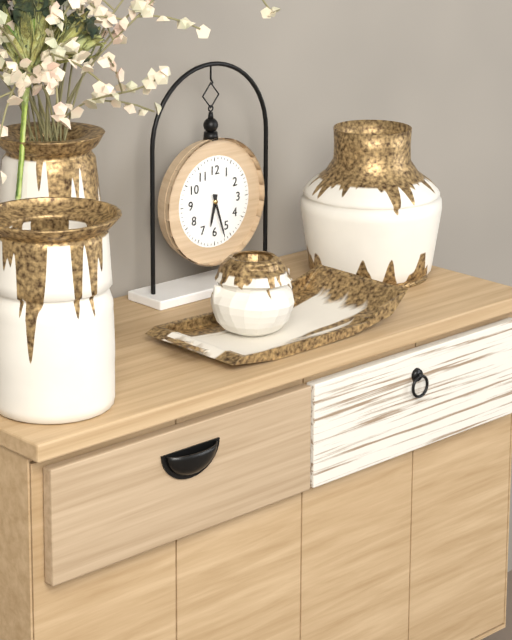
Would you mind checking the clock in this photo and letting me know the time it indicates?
6:27
